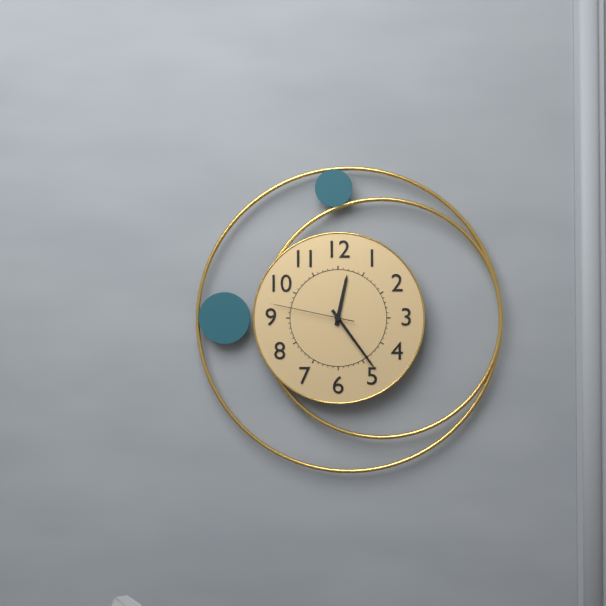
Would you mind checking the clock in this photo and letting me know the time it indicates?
12:24:47
